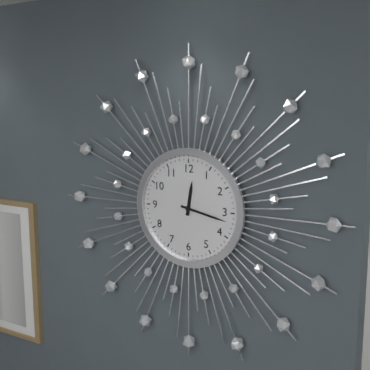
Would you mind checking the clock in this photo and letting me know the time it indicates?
12:17
